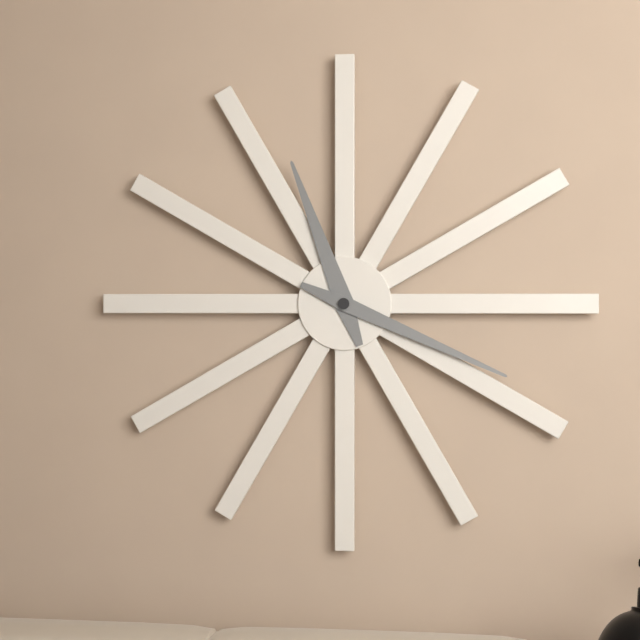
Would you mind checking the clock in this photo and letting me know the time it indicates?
11:19
